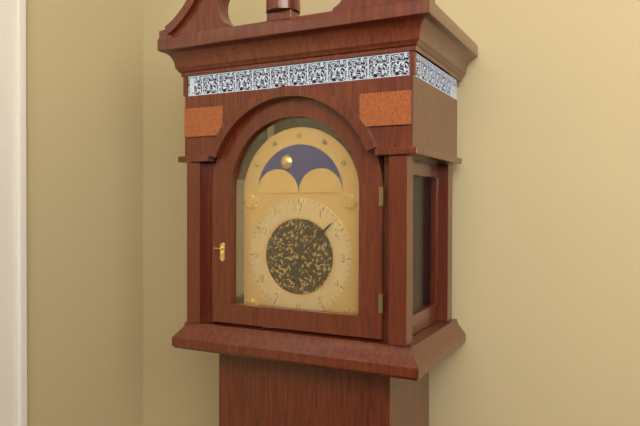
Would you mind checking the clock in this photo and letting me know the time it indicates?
6:08
